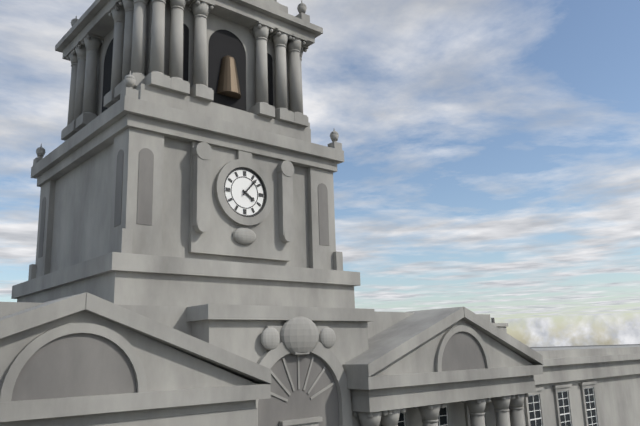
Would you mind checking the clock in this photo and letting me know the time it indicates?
4:07
